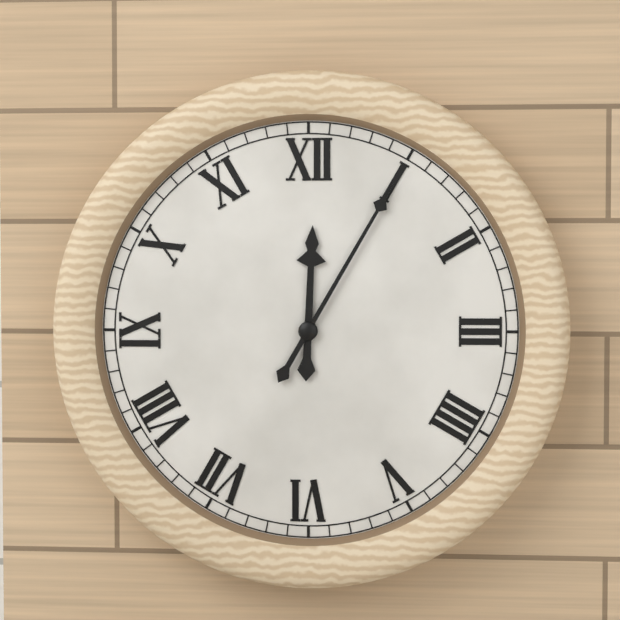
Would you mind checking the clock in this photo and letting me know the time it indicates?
12:05
